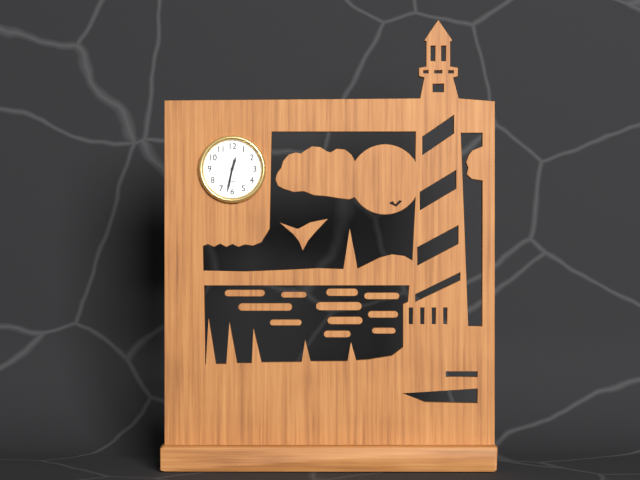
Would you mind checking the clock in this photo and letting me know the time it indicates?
12:32
